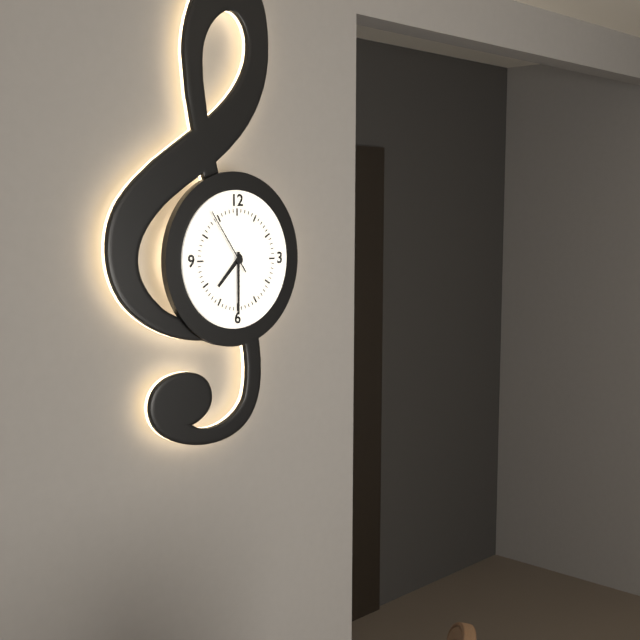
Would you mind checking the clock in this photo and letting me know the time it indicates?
7:30:54
